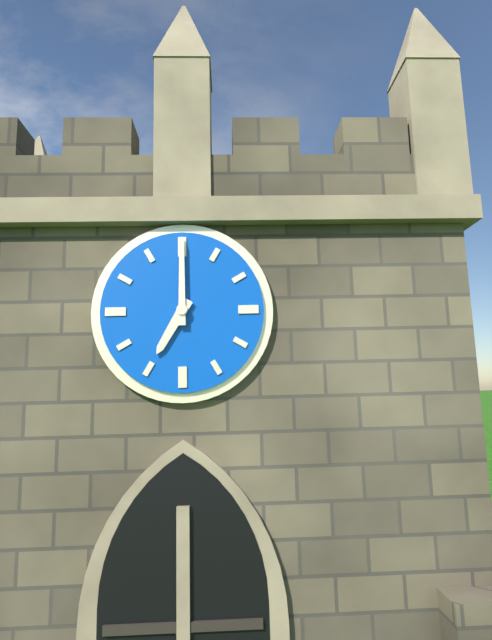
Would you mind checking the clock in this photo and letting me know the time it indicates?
7:00
